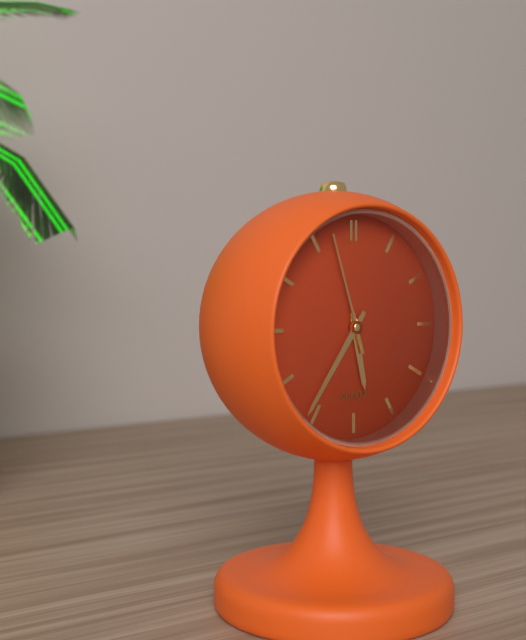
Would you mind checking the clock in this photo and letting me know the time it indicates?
5:36:57
